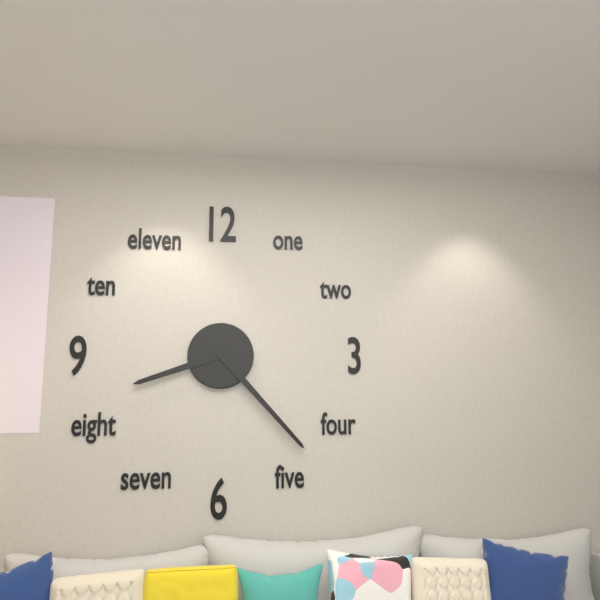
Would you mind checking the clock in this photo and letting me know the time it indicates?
8:23
